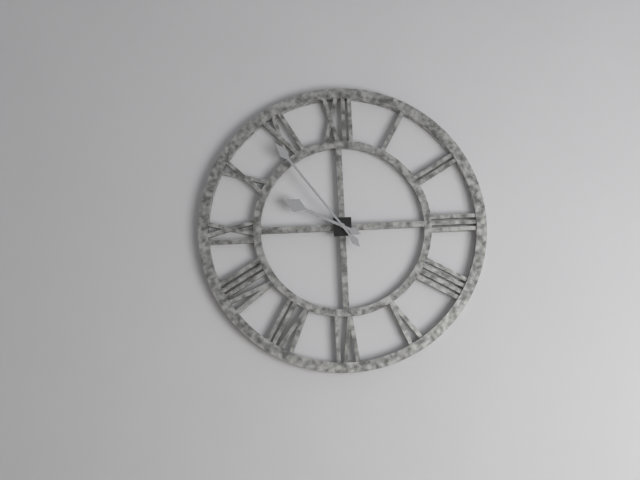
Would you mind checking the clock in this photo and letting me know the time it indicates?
9:54
